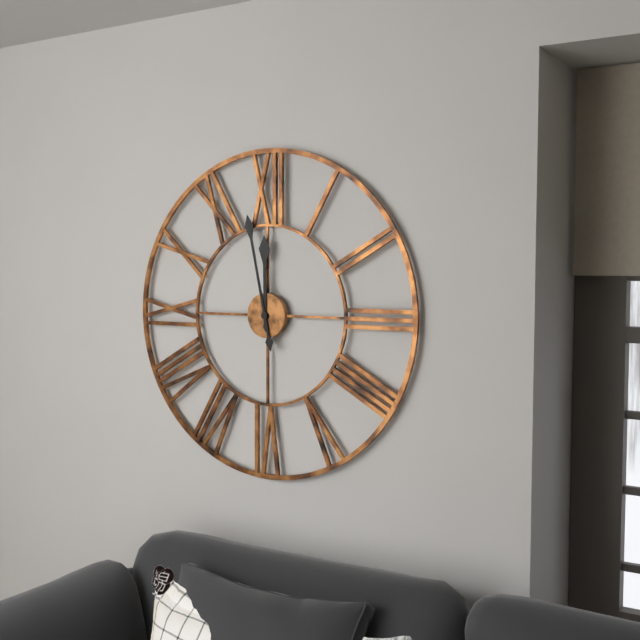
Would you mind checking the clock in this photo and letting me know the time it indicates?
11:58
